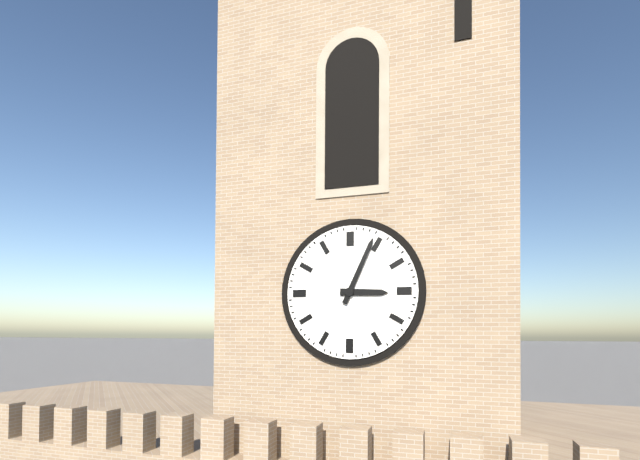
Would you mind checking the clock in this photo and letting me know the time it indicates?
3:04
